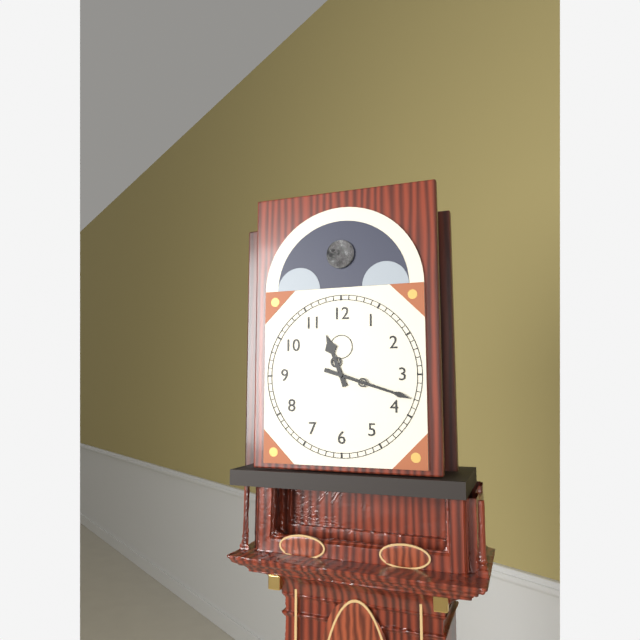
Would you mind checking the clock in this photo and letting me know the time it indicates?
11:18
